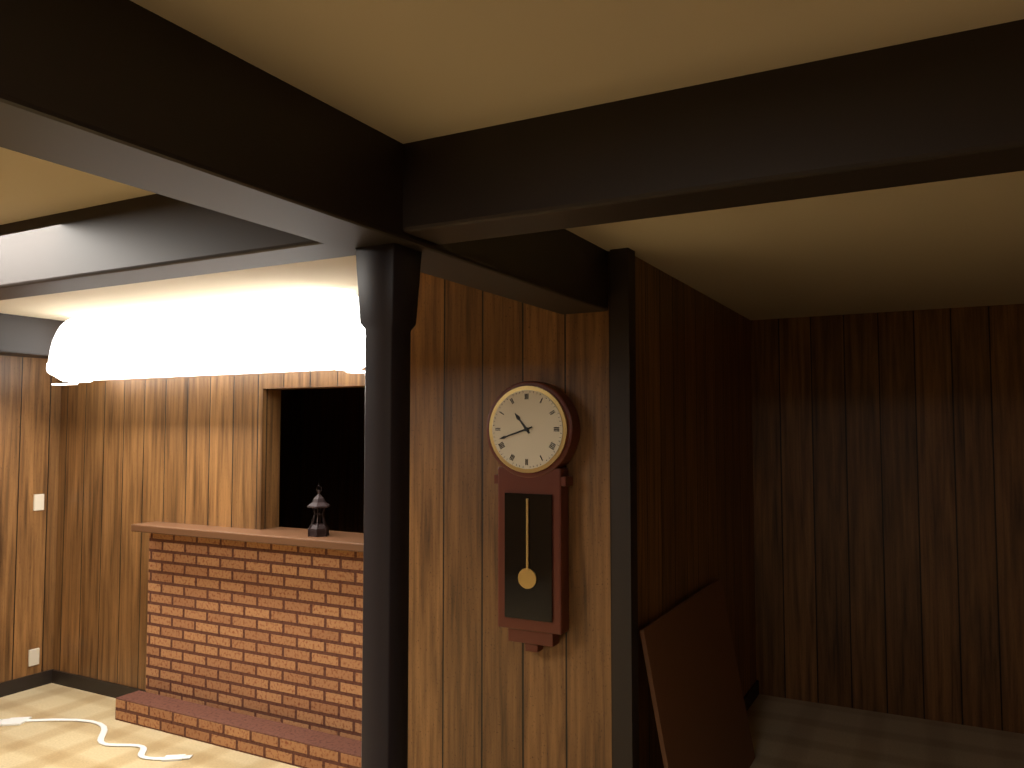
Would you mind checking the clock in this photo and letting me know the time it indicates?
10:42
